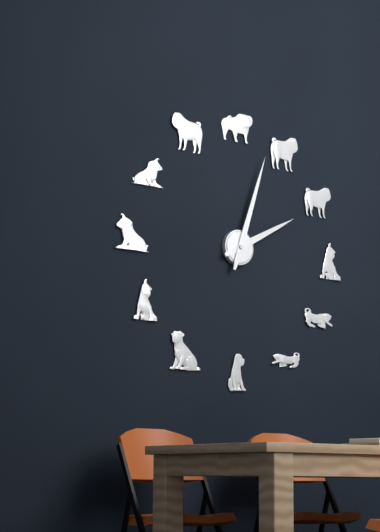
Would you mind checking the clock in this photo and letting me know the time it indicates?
2:03
